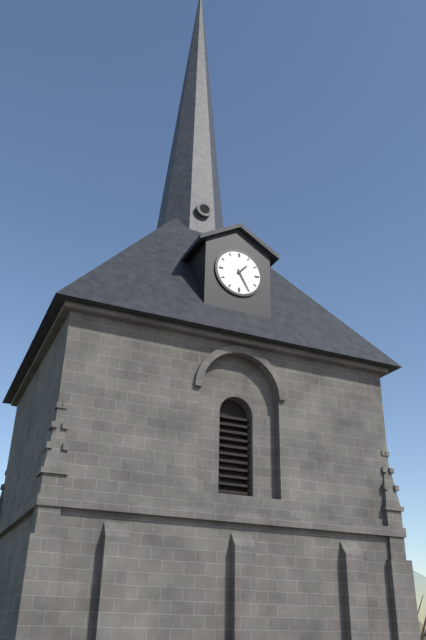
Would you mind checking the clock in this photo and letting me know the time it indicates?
1:25
